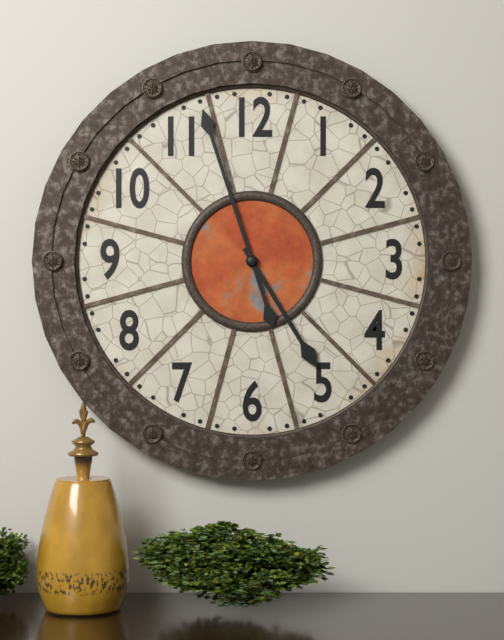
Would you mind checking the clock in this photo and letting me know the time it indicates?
4:57
